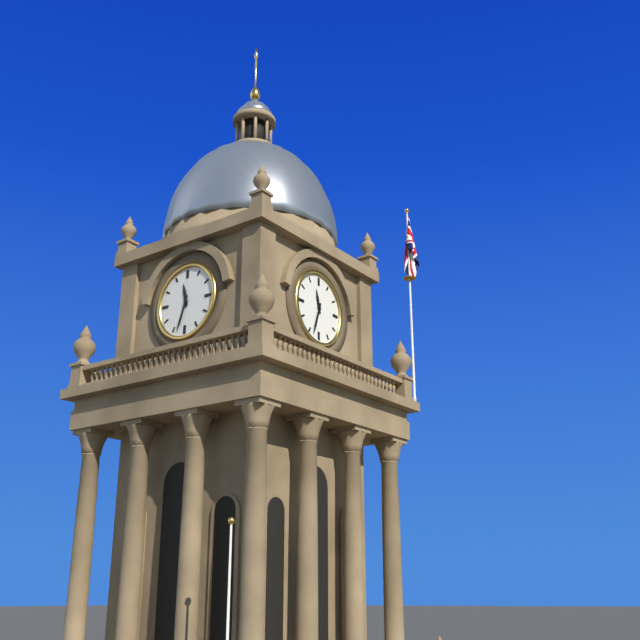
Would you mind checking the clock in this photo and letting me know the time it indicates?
11:33
